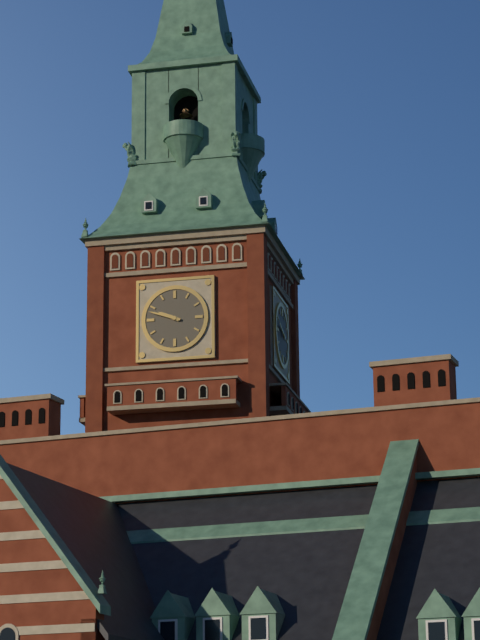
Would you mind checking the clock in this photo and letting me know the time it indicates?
9:48
